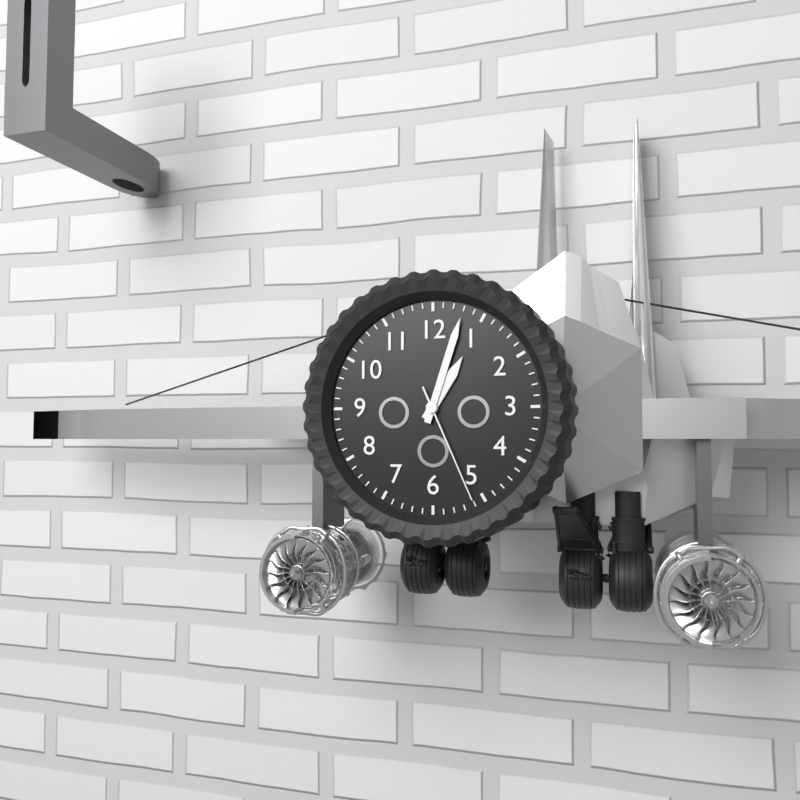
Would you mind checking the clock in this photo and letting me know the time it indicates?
1:03:26
